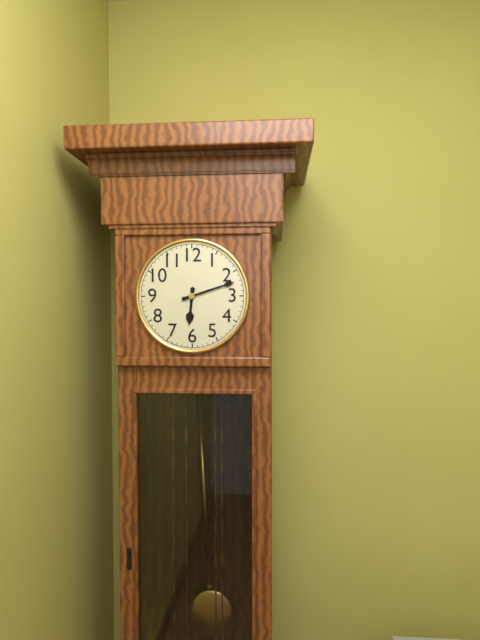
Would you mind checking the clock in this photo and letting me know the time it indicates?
6:12
